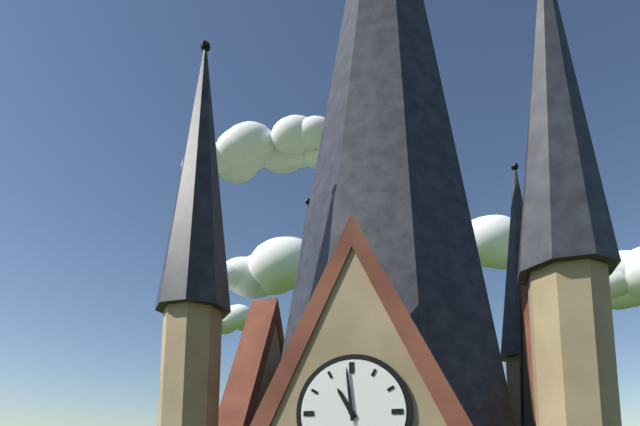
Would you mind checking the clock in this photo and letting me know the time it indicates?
10:59
